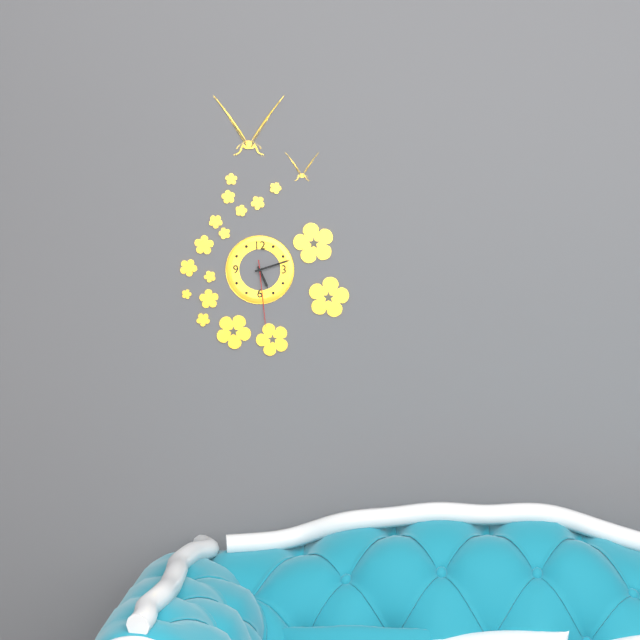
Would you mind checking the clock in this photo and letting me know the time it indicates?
5:12:29
